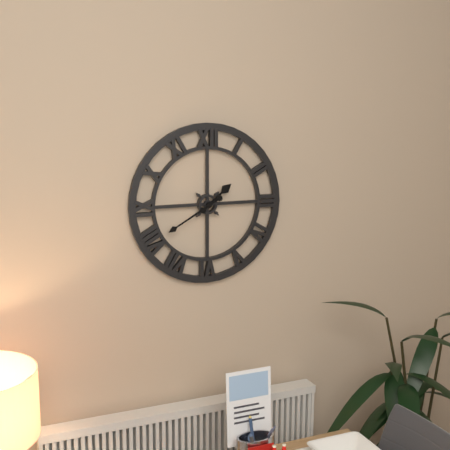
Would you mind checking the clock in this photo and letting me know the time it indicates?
1:40
